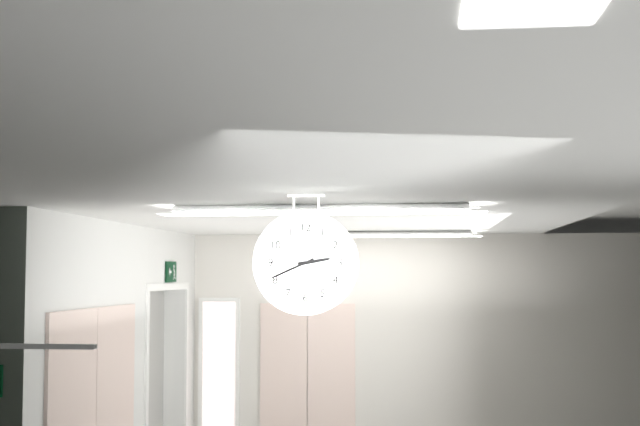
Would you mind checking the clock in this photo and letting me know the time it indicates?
2:41
